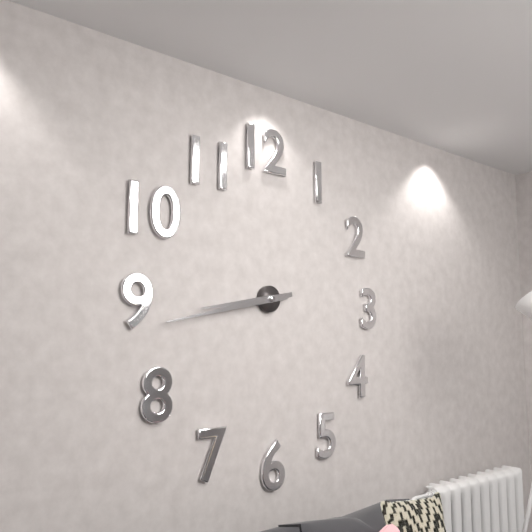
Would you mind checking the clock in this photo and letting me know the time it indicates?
8:43
